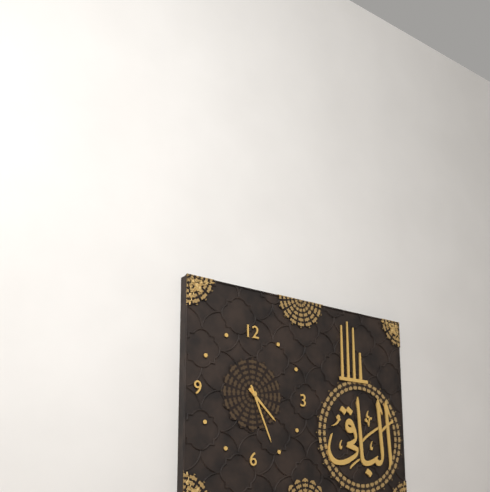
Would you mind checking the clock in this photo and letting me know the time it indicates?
4:26
